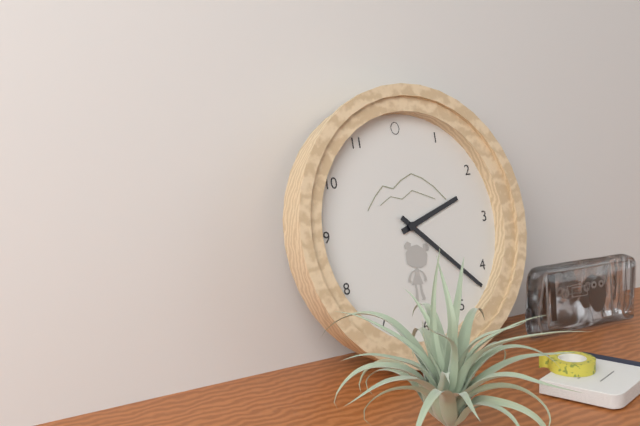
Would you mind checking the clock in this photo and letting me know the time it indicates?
2:22
